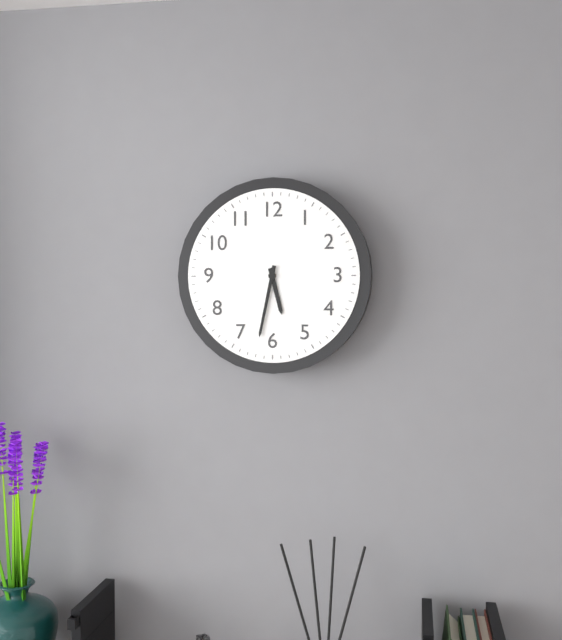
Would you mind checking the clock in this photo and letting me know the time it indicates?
5:32
